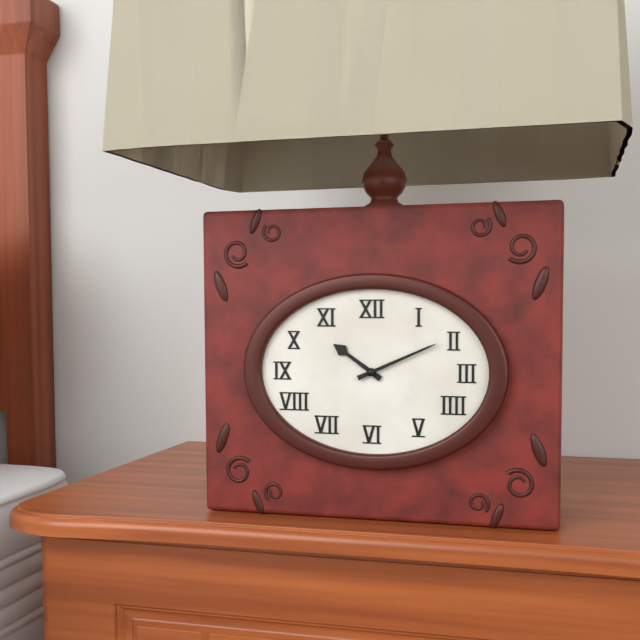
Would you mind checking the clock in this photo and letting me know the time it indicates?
10:11
